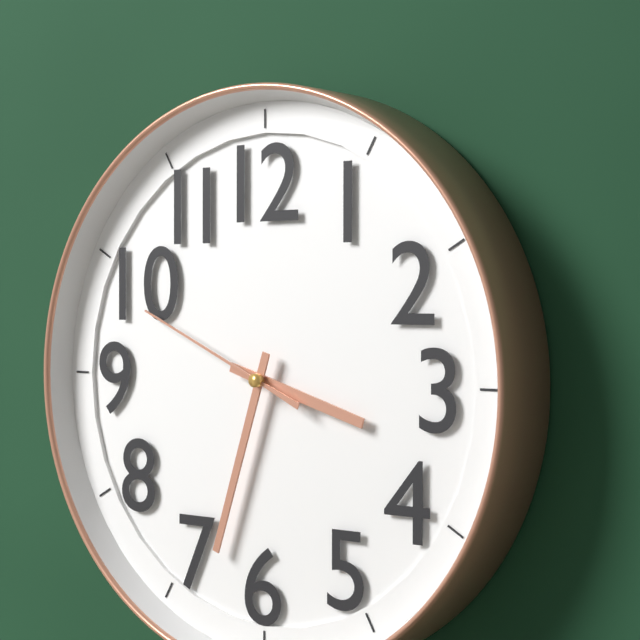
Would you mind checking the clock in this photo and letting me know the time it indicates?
3:33:49
